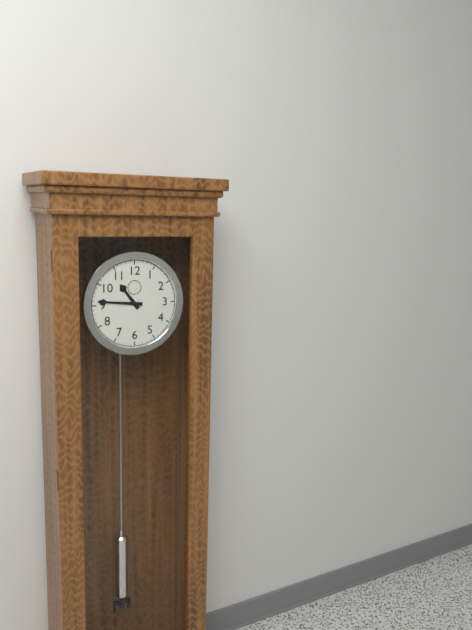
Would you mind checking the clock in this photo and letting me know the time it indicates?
10:46
